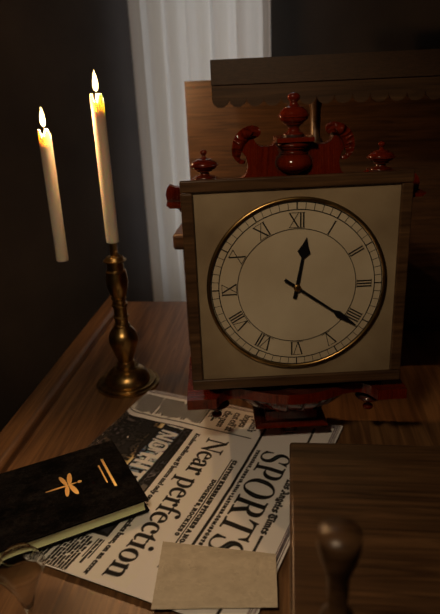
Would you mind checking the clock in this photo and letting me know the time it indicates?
12:21
